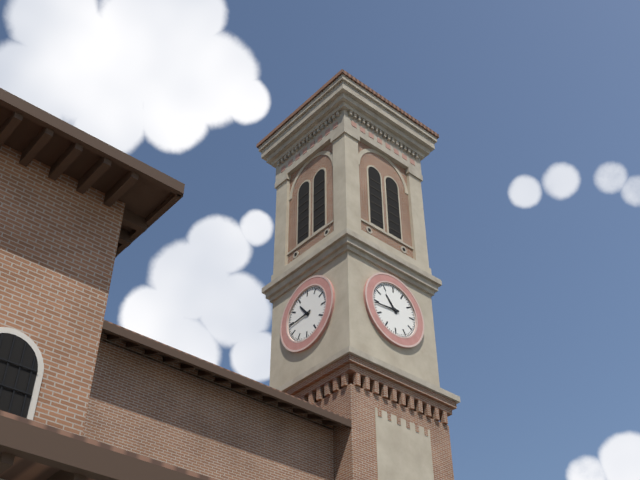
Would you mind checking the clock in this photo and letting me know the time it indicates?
10:44
